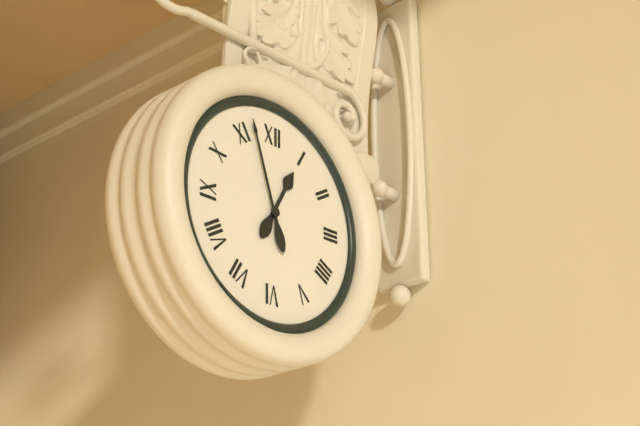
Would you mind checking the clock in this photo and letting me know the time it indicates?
12:57
